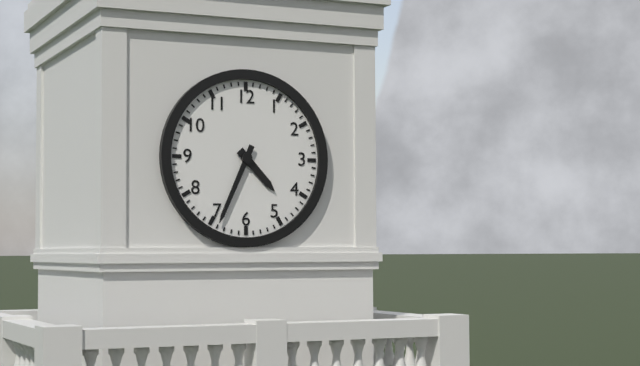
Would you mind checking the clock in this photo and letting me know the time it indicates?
4:34
